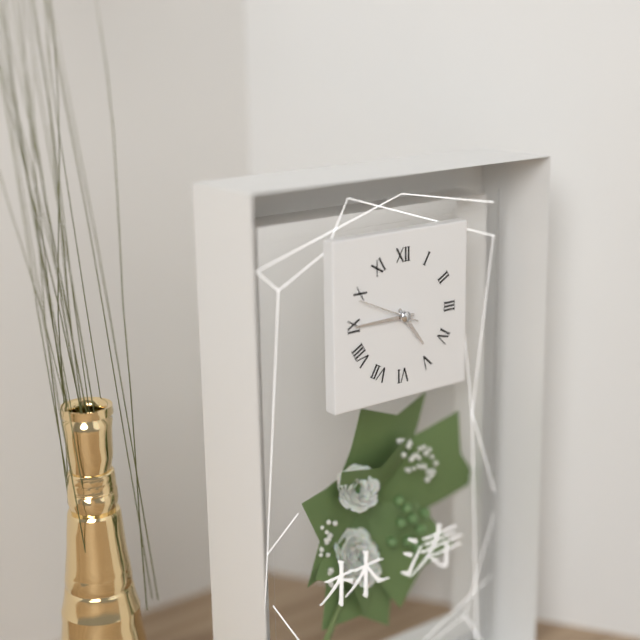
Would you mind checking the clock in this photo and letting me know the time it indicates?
4:45:49
